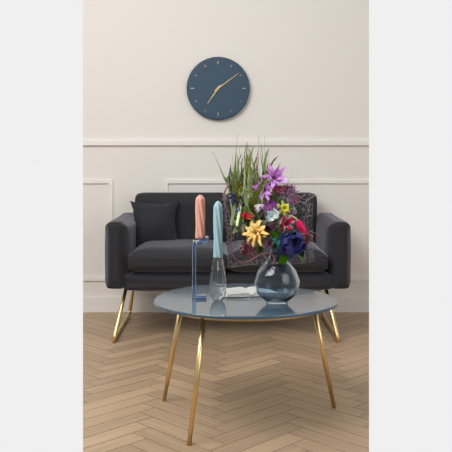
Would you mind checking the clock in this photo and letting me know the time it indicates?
7:09
